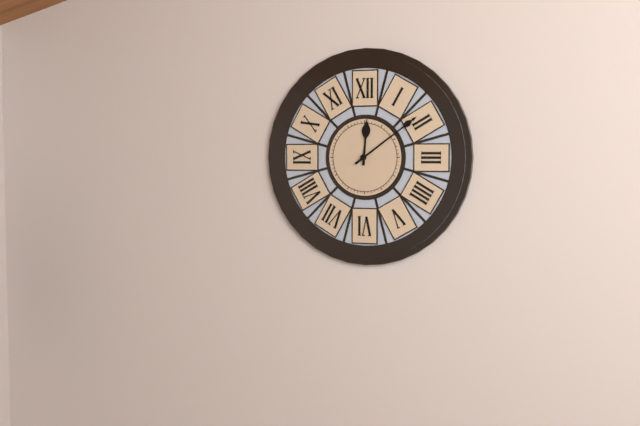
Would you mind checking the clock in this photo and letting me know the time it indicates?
12:09
